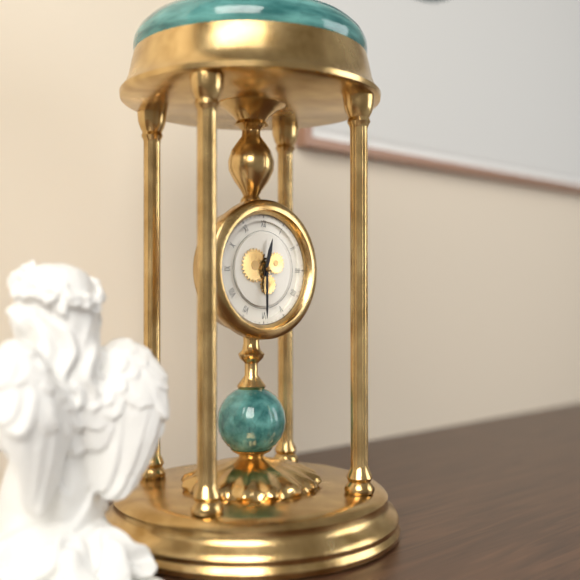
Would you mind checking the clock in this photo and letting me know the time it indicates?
12:30
